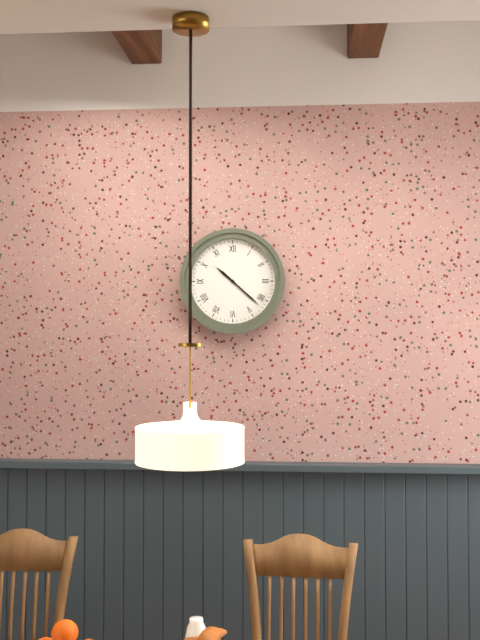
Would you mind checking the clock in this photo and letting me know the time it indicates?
10:22
